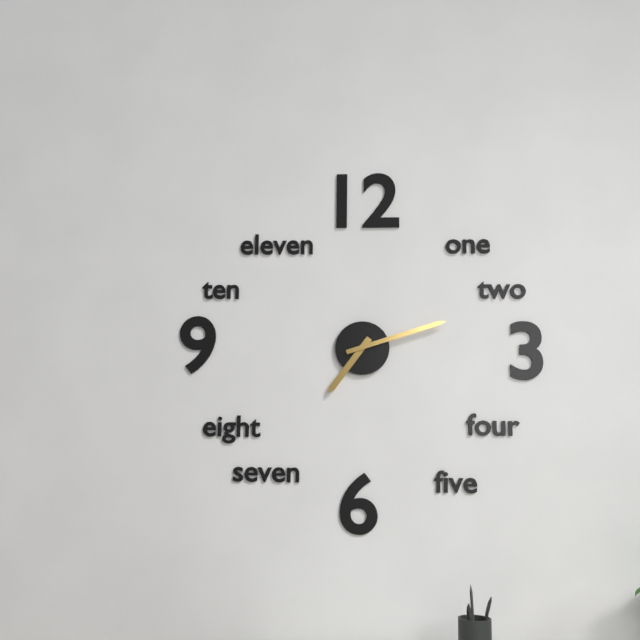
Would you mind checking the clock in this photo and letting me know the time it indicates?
7:12
